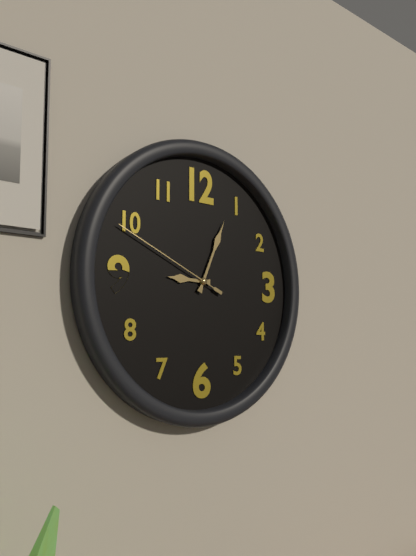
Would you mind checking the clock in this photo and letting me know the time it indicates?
9:04:49
